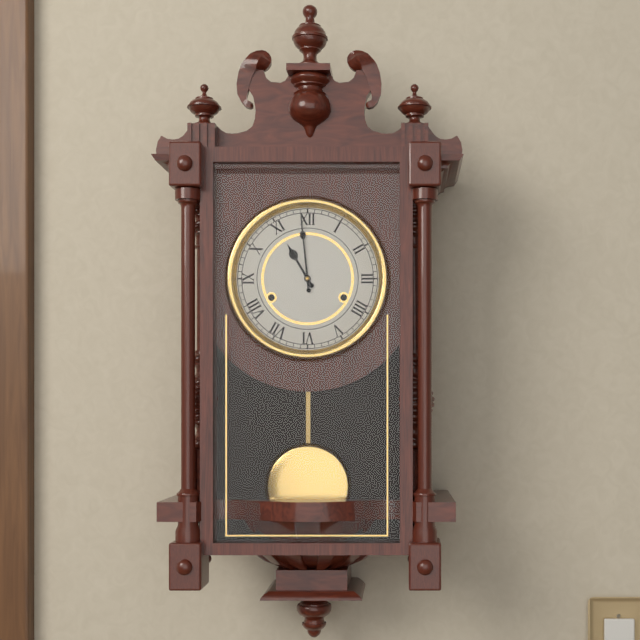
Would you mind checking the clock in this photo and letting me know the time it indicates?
10:59
